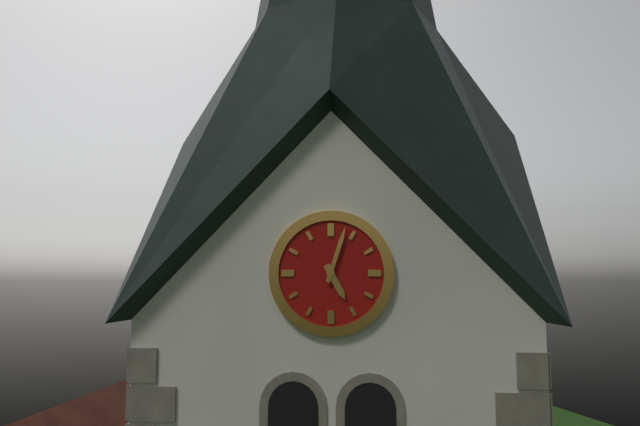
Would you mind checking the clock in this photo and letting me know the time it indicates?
5:03
